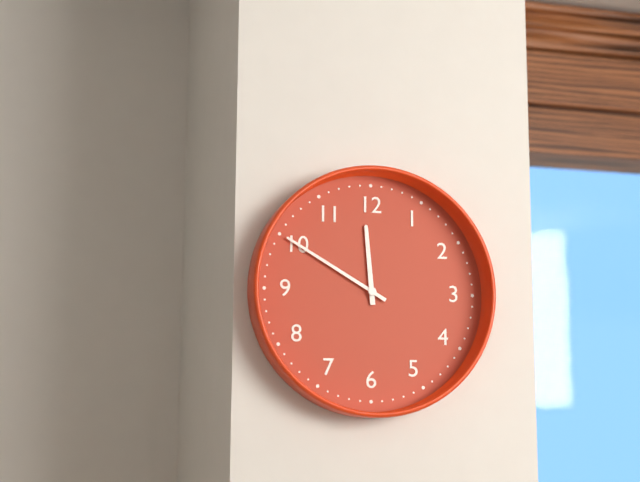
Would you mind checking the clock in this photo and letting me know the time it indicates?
11:50
